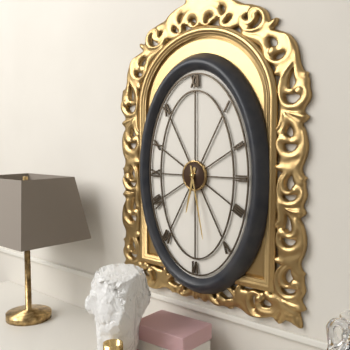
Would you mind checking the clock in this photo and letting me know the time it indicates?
6:28
